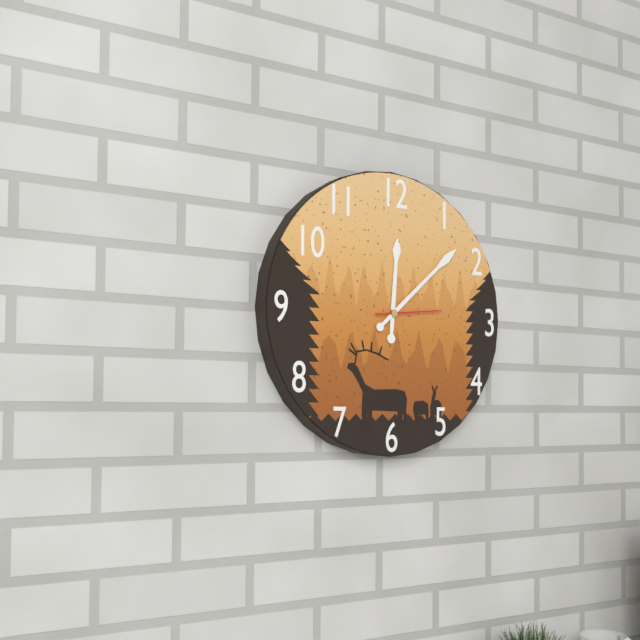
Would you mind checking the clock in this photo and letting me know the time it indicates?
12:08:14
